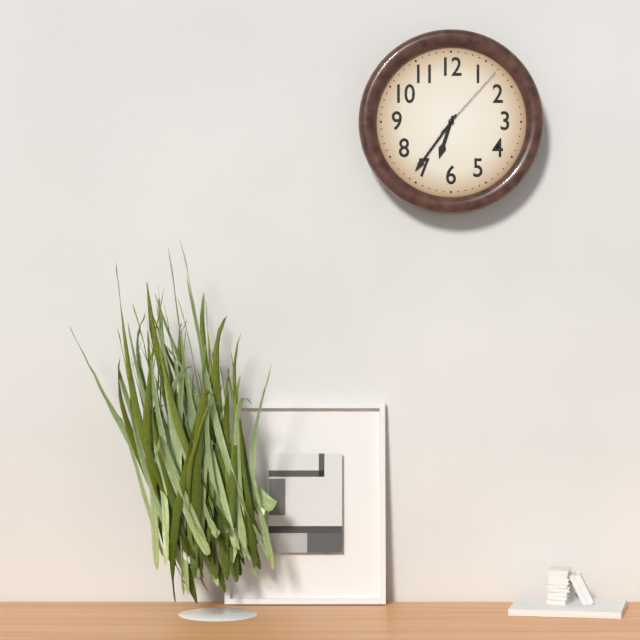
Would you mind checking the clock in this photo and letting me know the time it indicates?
6:36:07
